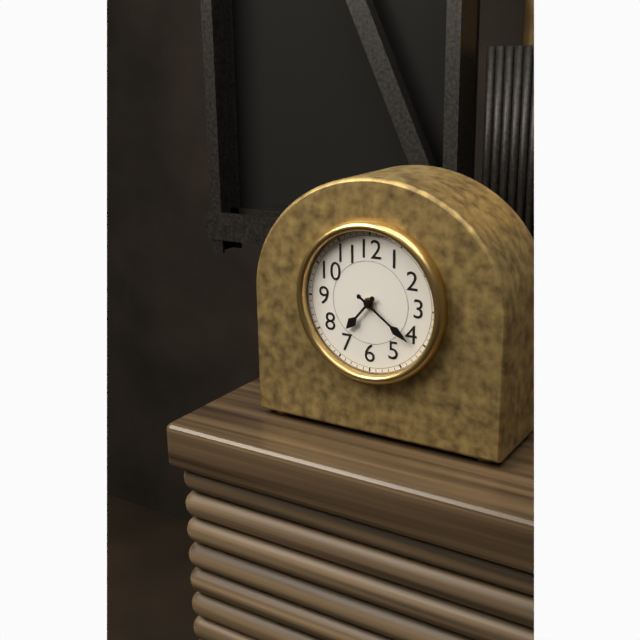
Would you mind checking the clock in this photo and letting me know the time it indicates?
7:21
